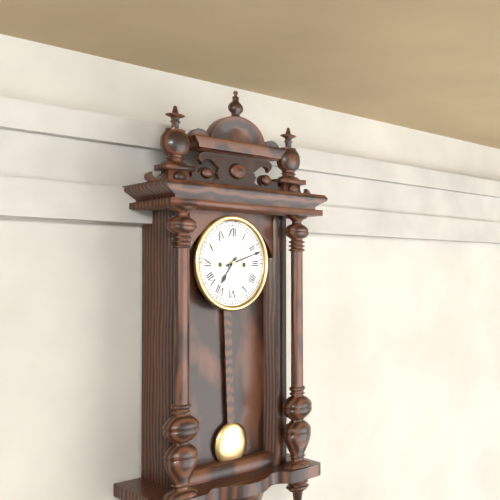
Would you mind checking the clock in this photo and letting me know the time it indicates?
7:12
